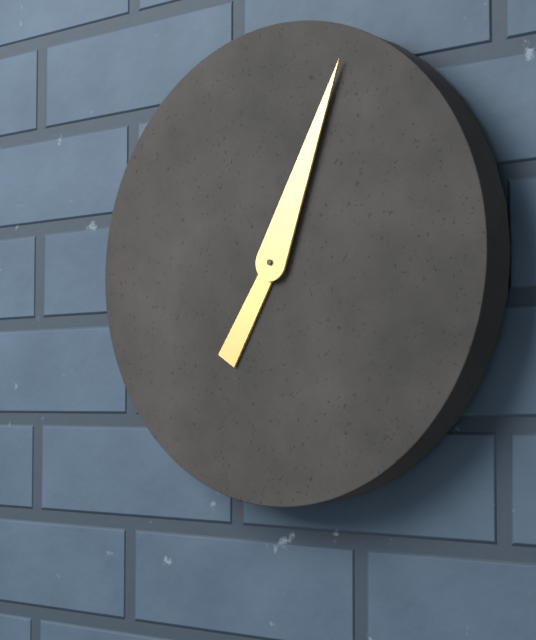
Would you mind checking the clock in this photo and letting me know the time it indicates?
7:04
